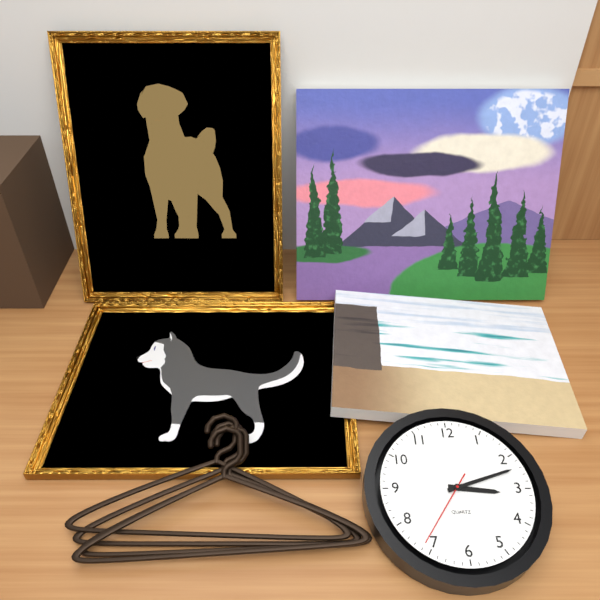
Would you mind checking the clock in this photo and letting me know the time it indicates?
3:12:36
